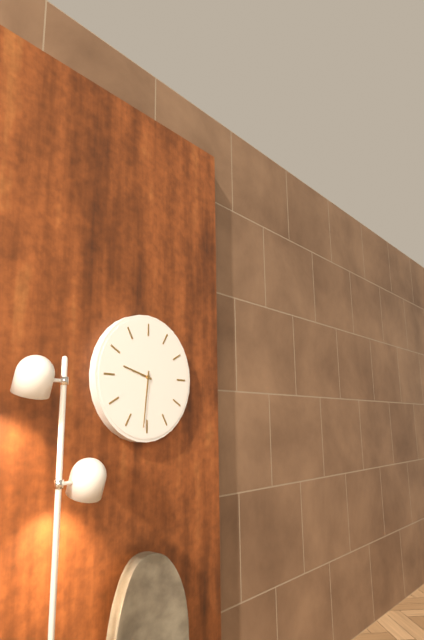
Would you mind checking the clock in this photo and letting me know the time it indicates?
9:31
